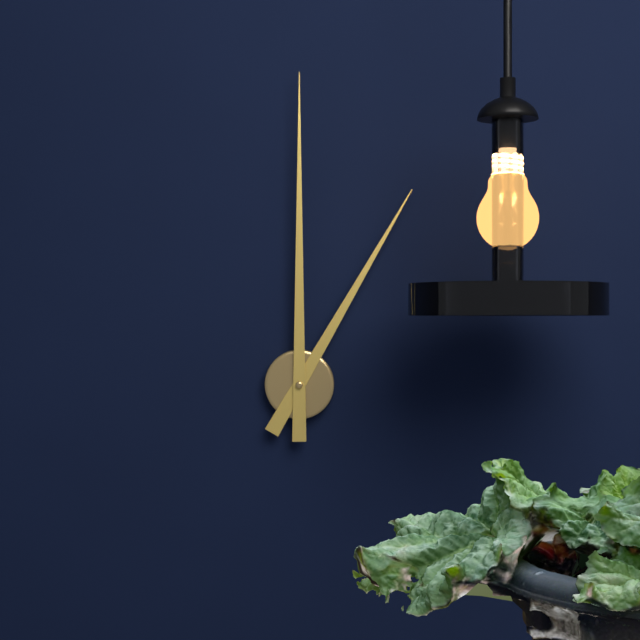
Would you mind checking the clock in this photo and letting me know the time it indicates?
1:00
